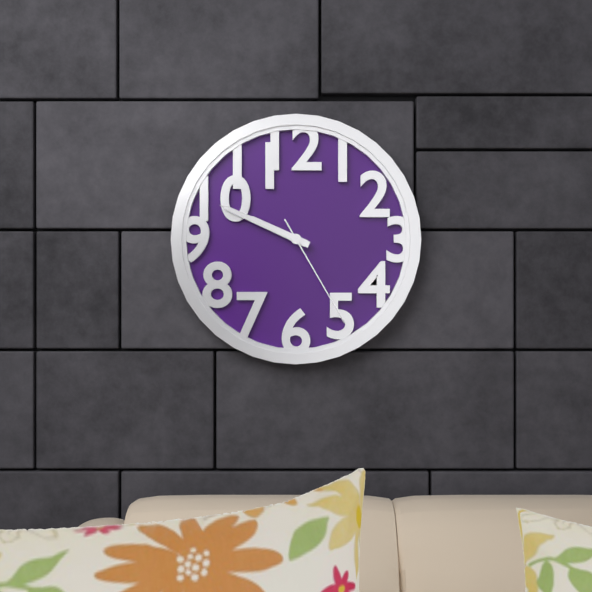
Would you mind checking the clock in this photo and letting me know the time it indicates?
9:49:25
